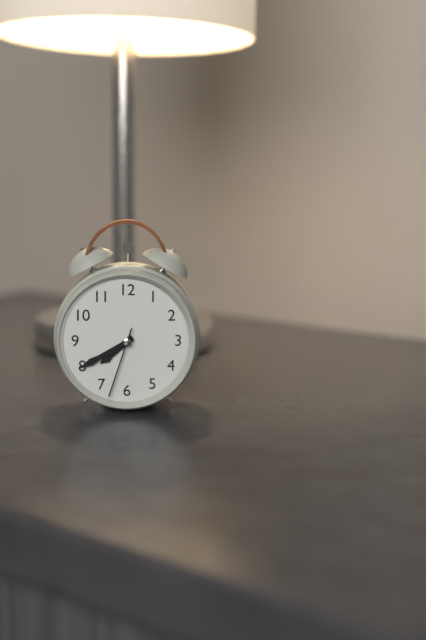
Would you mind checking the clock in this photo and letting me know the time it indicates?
7:40:33
